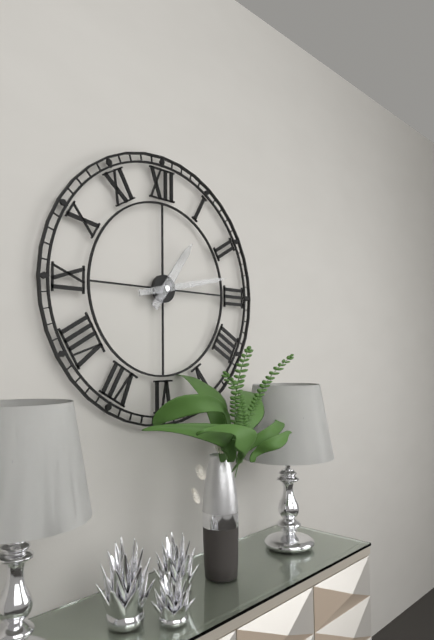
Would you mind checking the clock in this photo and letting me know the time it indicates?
1:13
